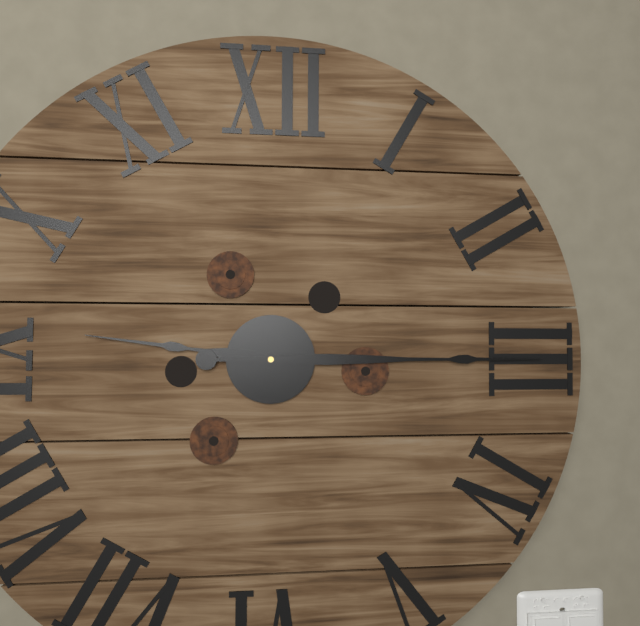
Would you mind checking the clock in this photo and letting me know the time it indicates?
9:15
